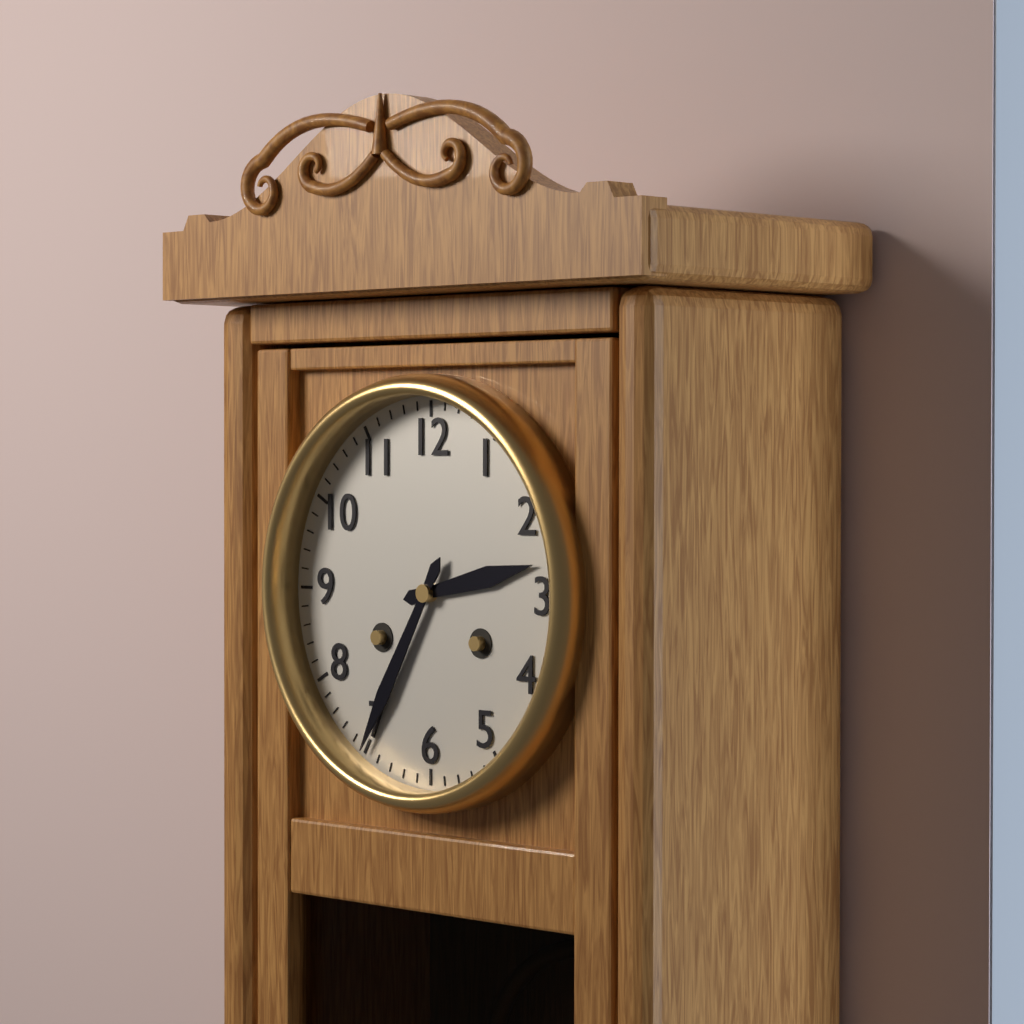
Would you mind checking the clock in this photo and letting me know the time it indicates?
2:35
